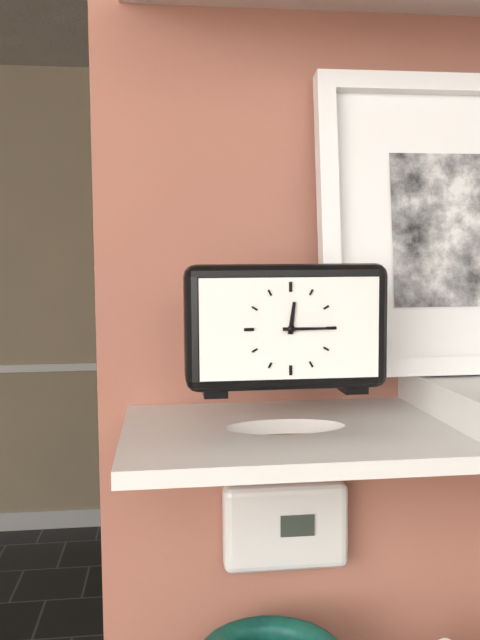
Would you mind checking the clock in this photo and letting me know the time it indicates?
12:15
